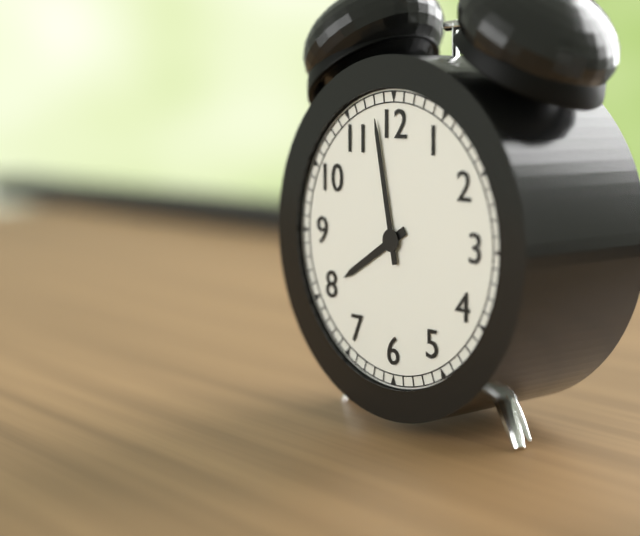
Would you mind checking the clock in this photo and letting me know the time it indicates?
7:58
